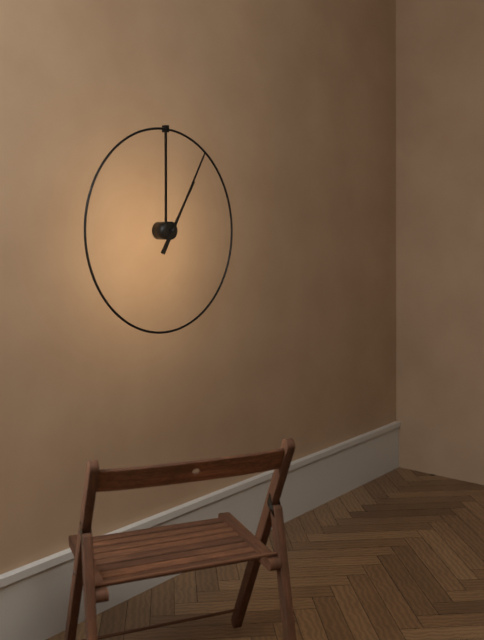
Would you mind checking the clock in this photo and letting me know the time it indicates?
1:05
